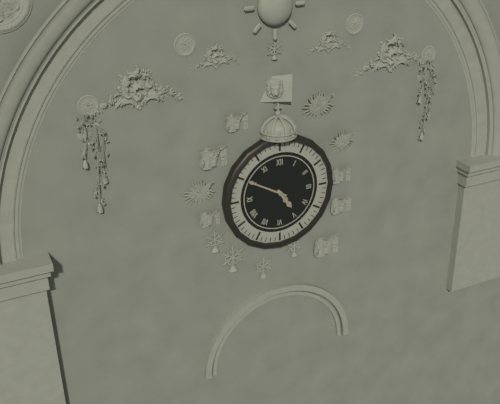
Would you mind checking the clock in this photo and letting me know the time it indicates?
4:50
